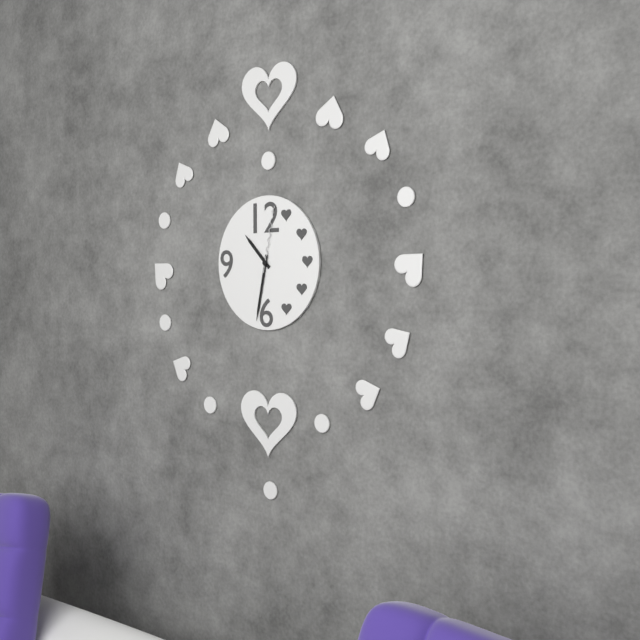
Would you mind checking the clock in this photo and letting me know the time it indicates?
10:32:02
